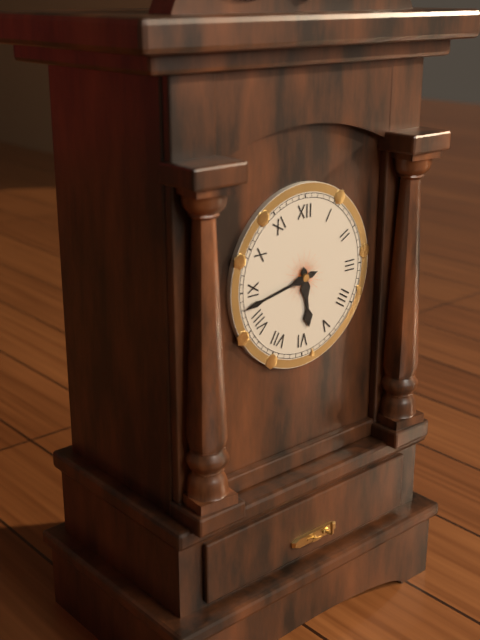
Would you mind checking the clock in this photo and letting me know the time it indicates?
5:43
